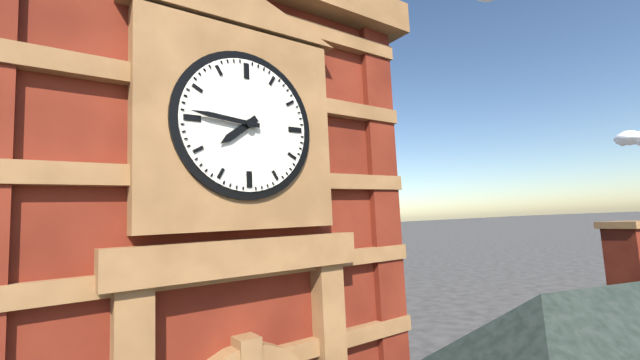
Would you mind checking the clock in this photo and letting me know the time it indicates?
7:46
